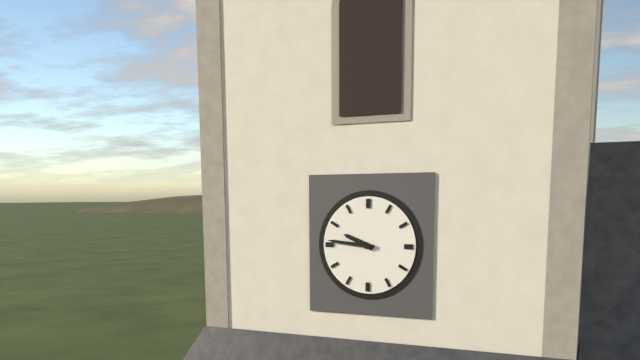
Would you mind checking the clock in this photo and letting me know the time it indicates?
9:46
